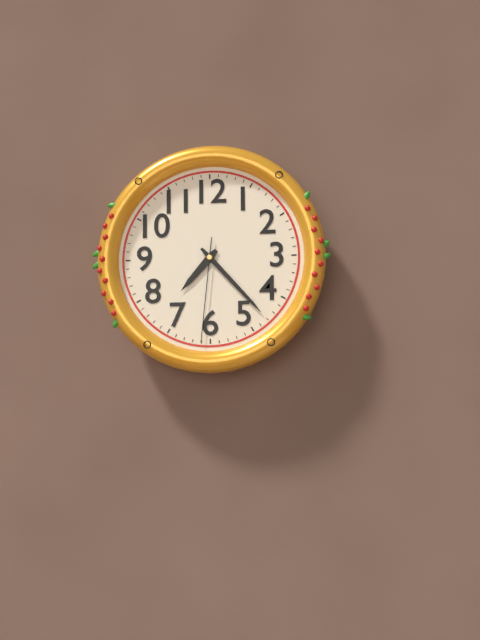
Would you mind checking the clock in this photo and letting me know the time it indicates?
7:23:31
